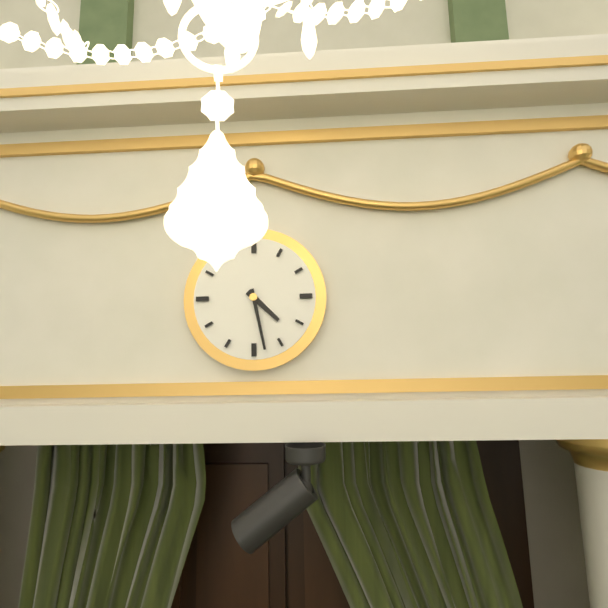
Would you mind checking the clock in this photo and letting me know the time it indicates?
4:28
